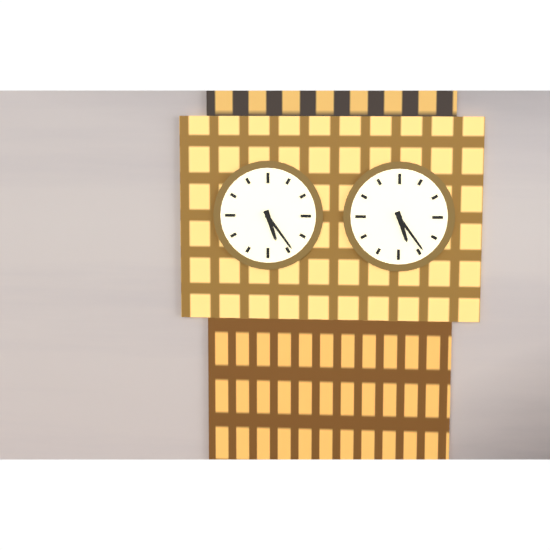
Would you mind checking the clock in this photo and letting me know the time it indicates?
5:24
